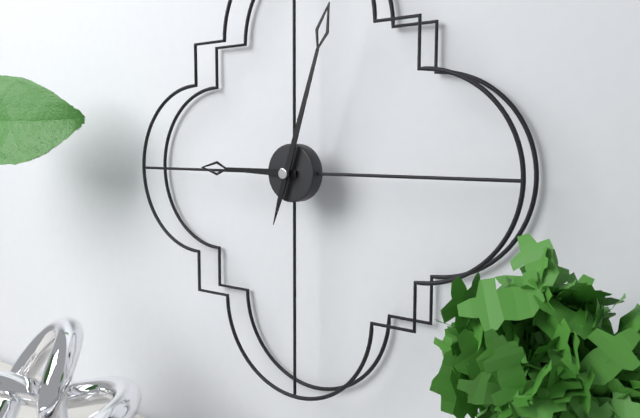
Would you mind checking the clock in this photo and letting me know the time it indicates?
9:03
